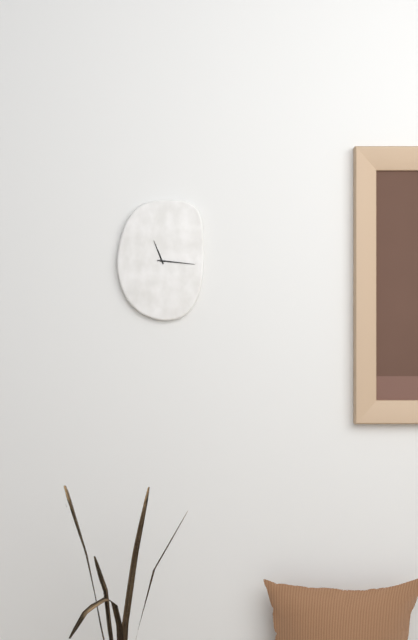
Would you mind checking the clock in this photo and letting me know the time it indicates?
11:16
